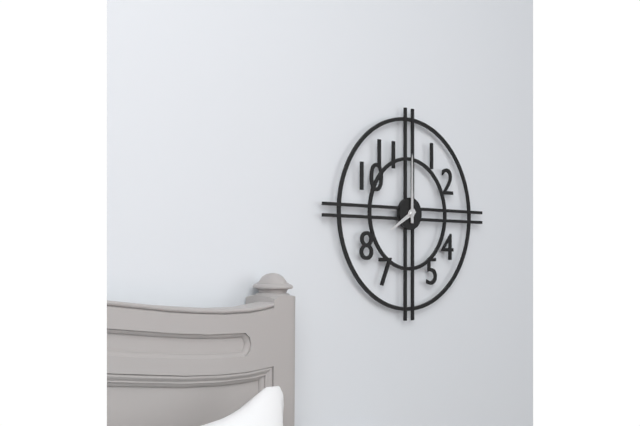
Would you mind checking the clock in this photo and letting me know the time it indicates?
8:00
